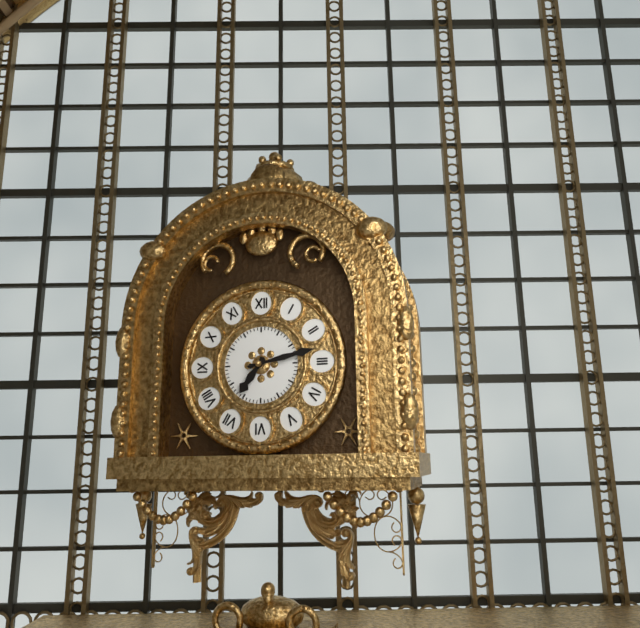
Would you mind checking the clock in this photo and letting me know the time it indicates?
7:13
